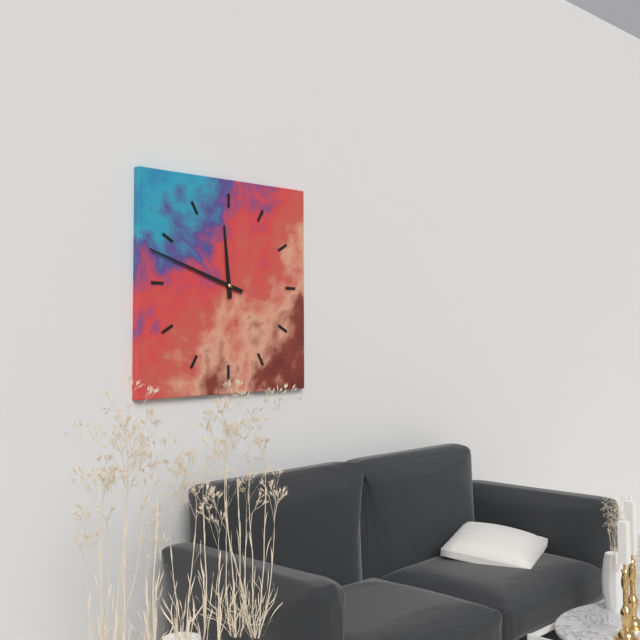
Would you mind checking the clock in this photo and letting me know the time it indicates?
11:48
